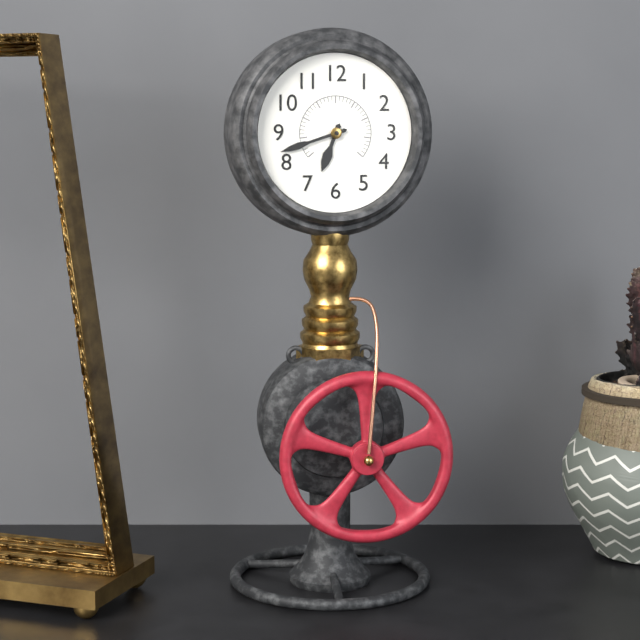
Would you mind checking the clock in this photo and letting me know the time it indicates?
6:42
